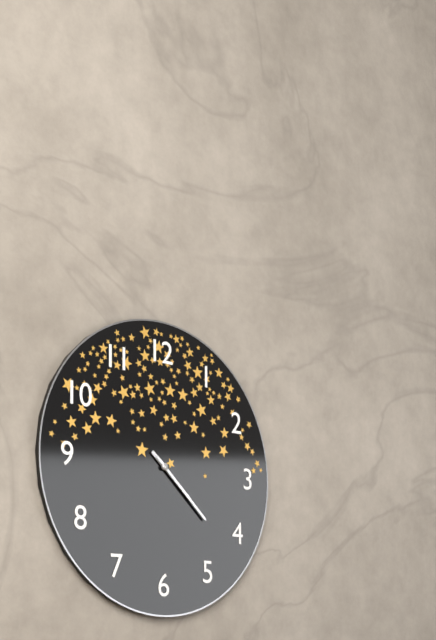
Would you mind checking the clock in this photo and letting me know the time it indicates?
4:22
